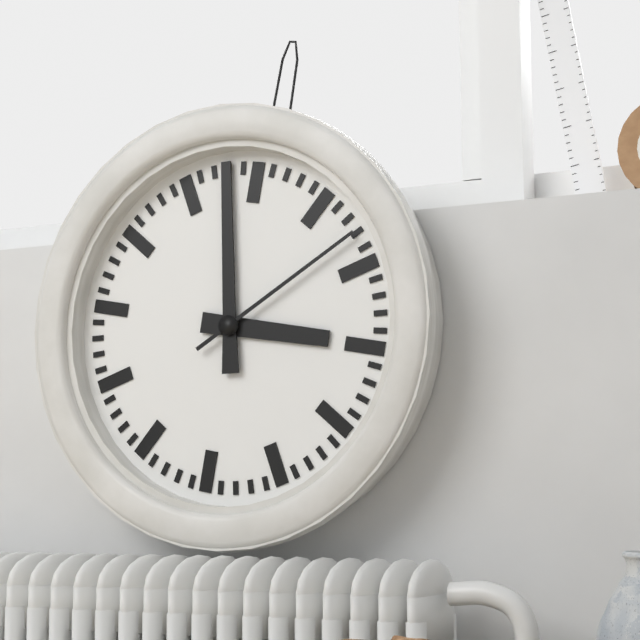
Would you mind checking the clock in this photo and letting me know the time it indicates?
2:58:08
